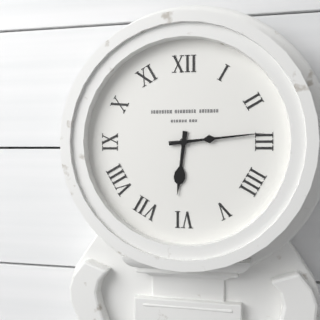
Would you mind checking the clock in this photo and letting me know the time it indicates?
6:14
